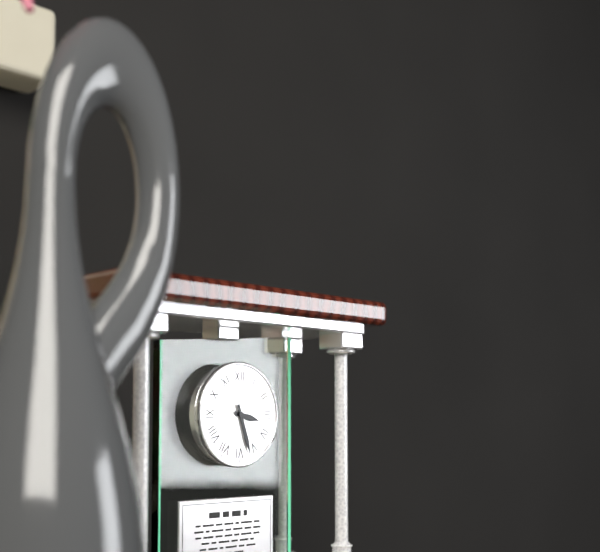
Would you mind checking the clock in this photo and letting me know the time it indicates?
3:27
